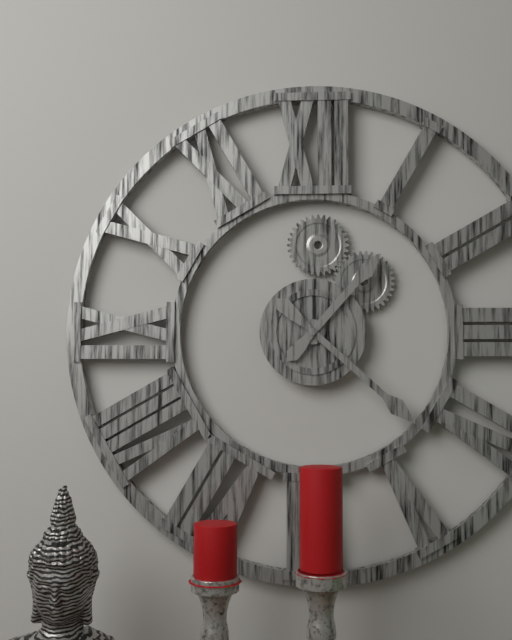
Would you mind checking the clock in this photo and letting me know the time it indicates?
1:22
